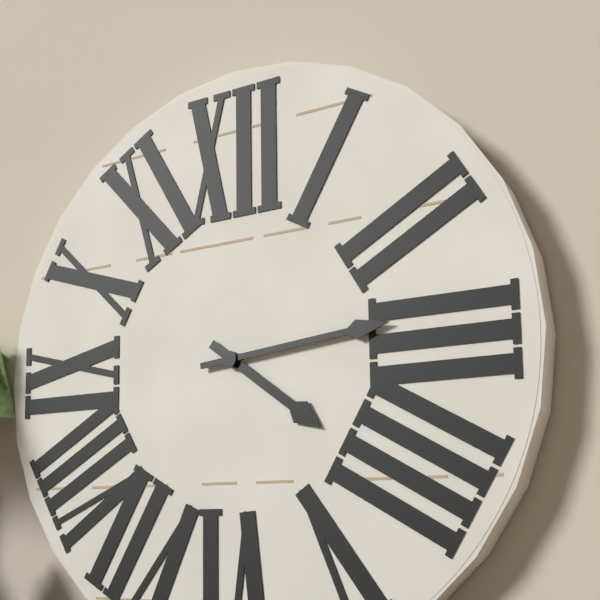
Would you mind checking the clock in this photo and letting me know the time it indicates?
4:14
